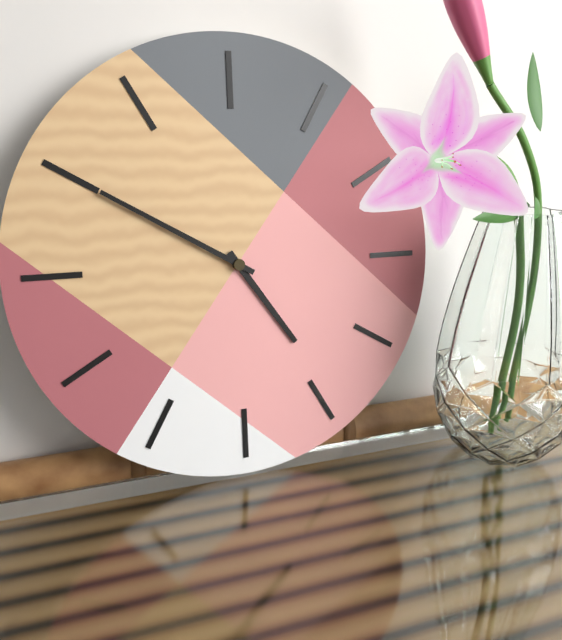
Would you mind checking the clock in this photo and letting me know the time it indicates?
4:50
